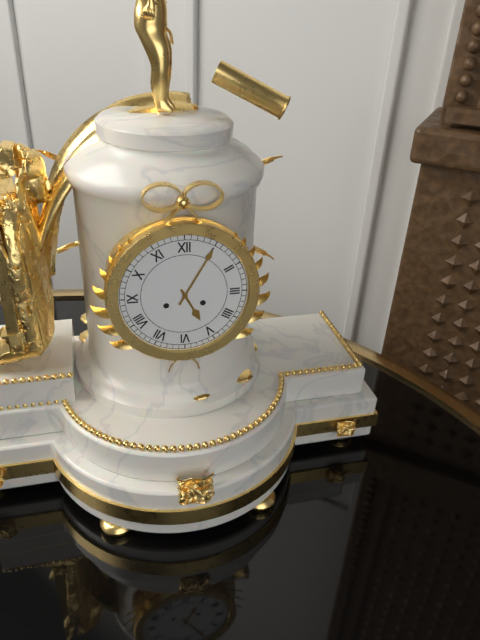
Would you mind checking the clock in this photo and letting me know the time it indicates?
5:05
